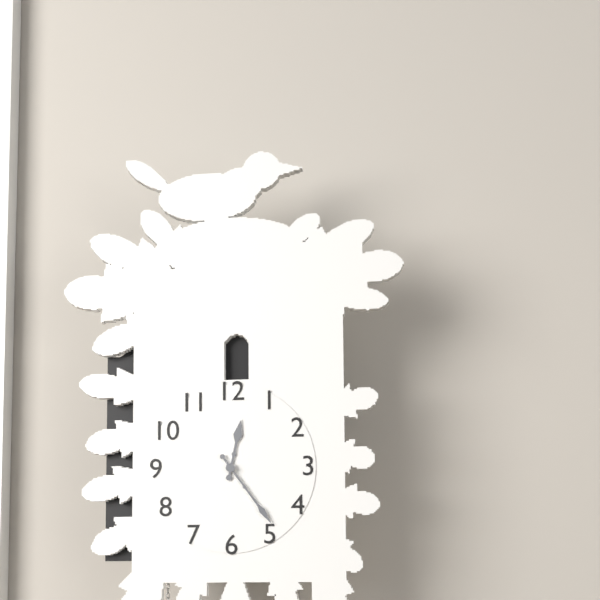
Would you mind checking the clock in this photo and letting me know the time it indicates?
12:24
